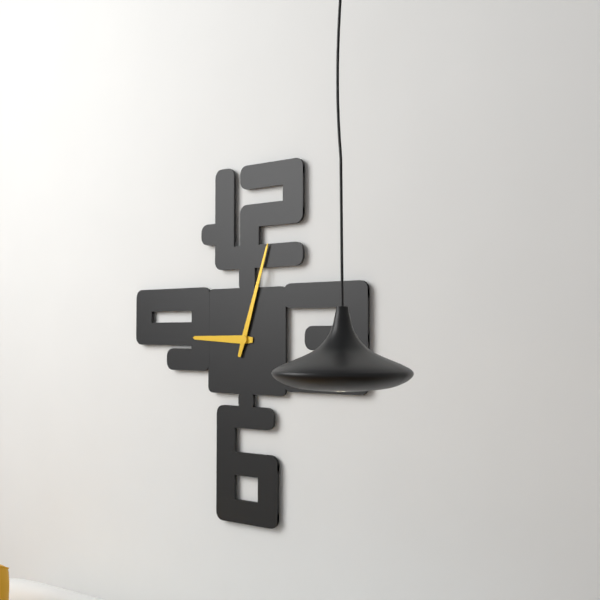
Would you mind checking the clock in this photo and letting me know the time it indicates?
9:03
